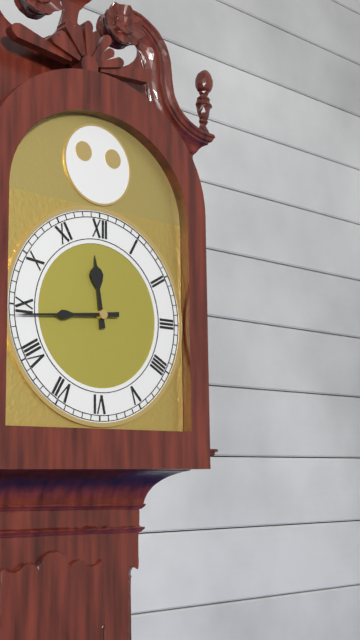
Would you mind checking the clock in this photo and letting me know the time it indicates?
11:44
